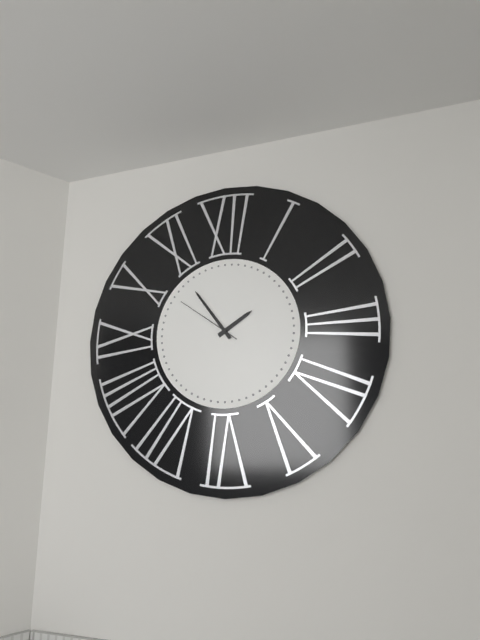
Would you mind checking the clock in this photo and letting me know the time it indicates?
1:54:51
